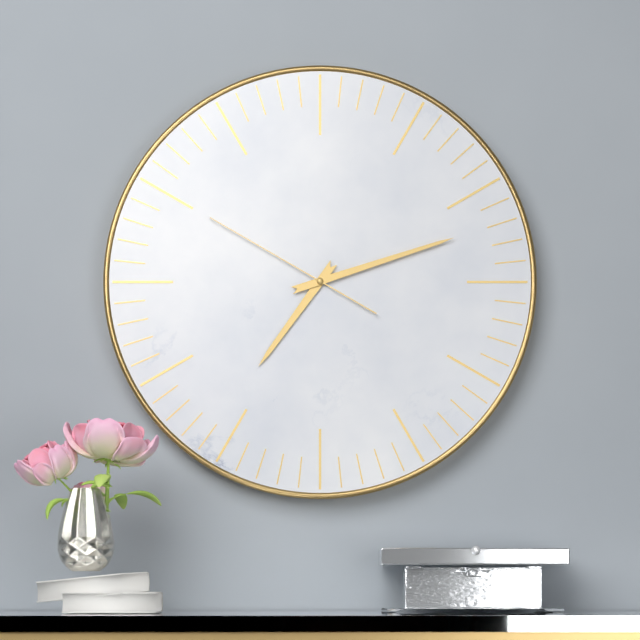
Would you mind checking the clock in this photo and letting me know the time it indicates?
7:12:50
